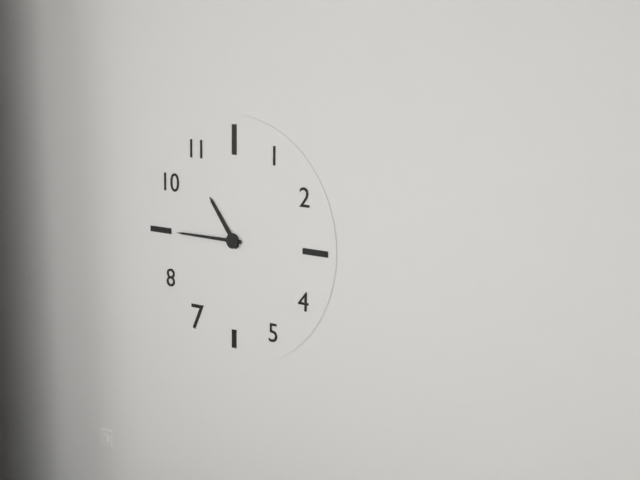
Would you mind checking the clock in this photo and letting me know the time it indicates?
10:45
